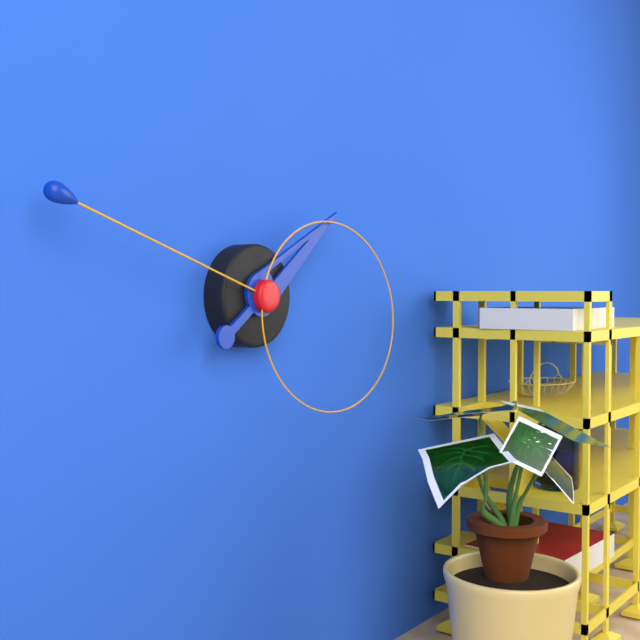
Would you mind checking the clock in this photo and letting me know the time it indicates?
1:48:17
